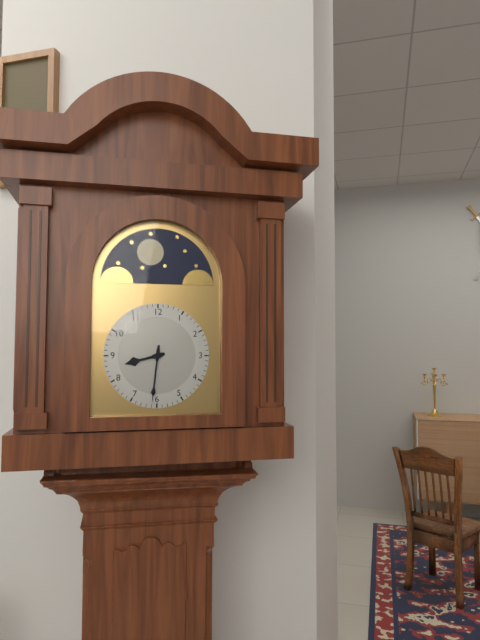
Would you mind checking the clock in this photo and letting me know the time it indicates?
8:31
